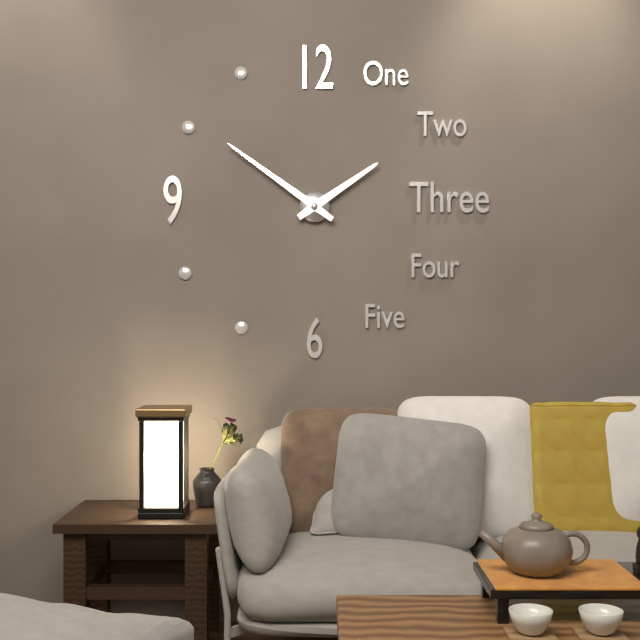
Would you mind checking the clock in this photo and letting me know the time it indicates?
1:51
